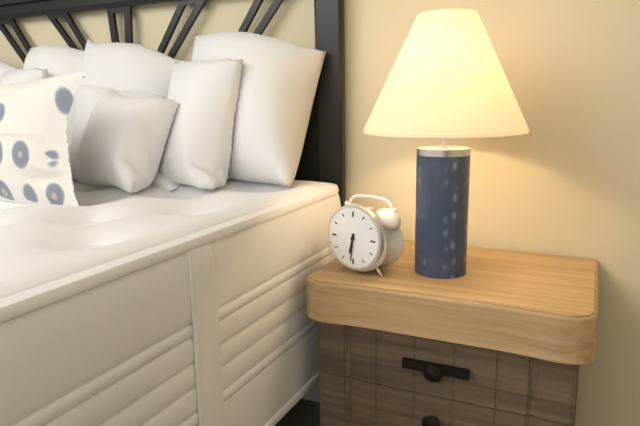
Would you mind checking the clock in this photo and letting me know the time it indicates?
6:31
